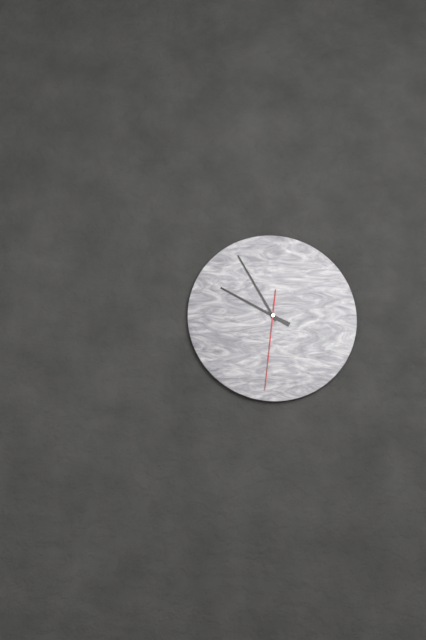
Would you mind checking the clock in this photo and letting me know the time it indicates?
9:55:31
